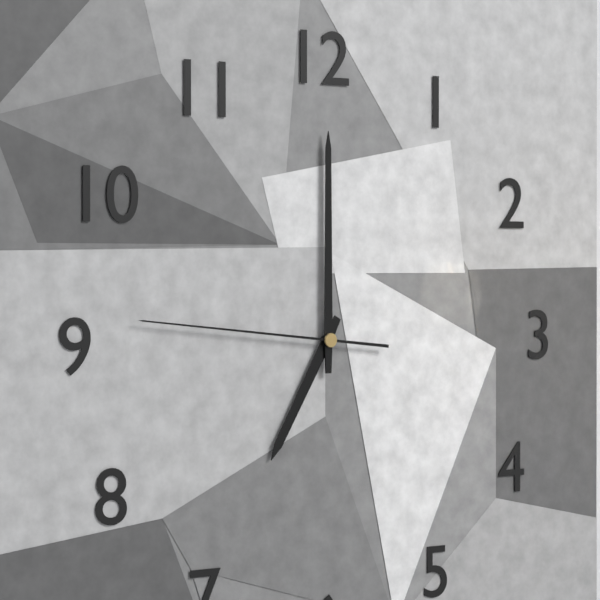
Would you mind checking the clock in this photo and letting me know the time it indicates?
7:00:46
